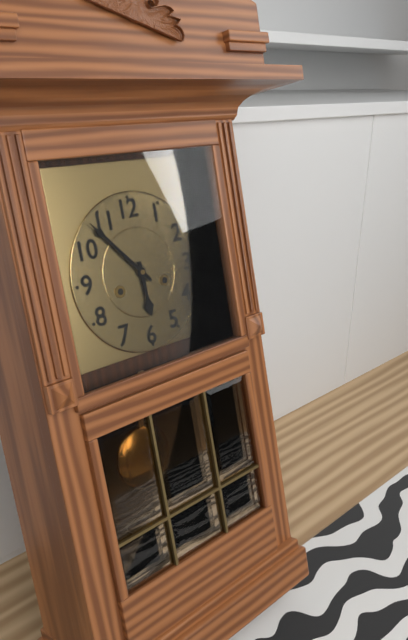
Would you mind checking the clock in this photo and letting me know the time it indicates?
5:53
